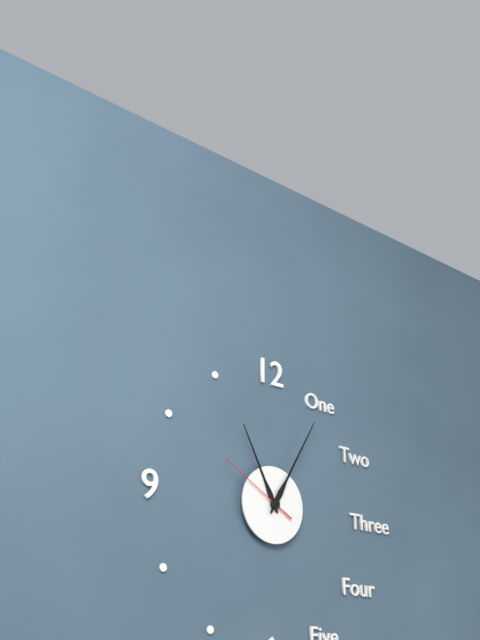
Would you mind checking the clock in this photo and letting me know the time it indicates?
11:05:50
